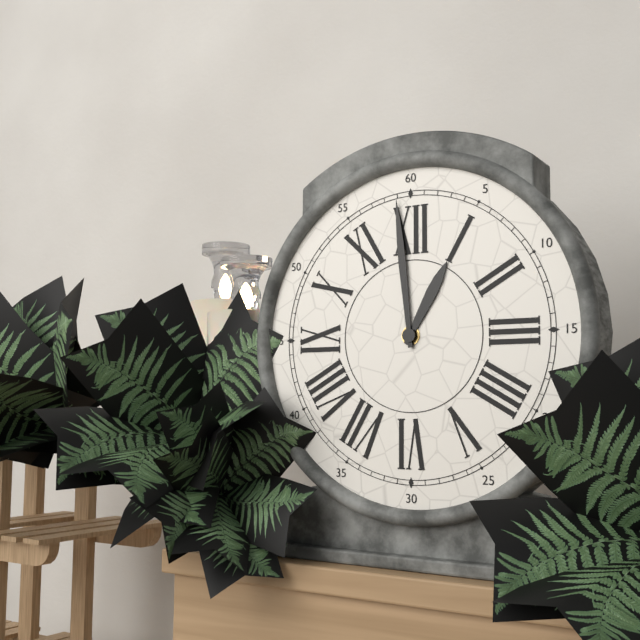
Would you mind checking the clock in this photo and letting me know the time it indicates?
12:59
